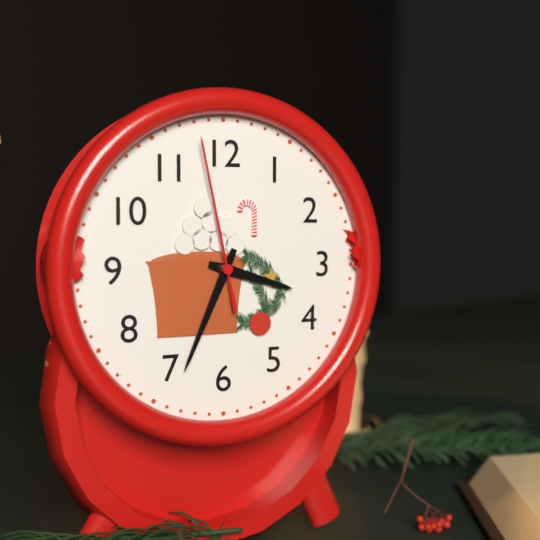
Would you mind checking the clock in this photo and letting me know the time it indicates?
3:34:58
